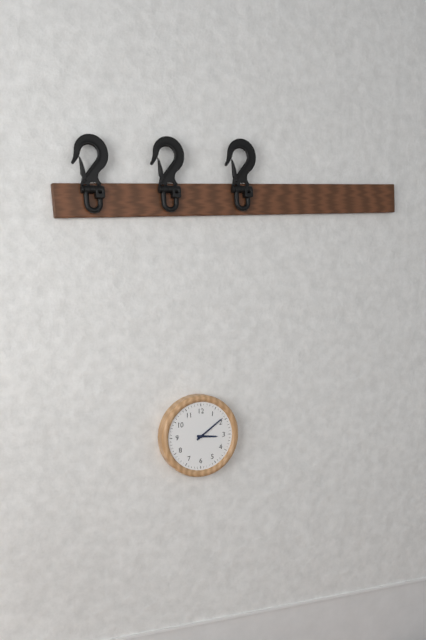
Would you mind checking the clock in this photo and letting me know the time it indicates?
3:09
